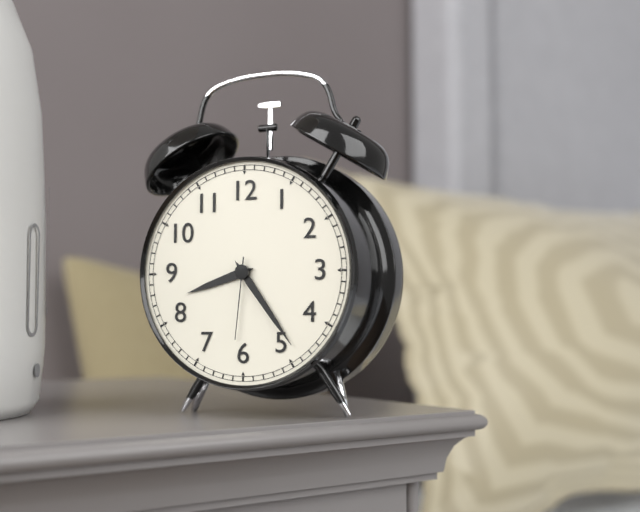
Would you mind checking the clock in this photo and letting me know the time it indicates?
8:24:31
